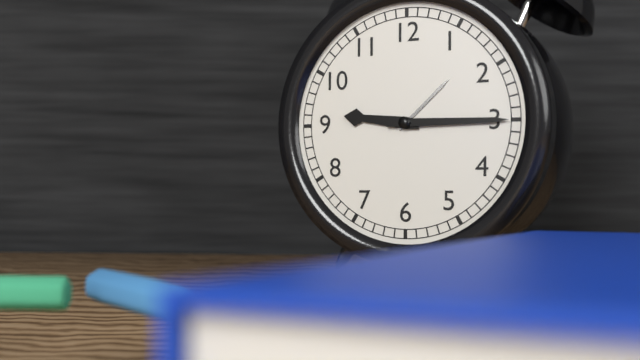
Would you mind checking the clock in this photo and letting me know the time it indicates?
9:15
